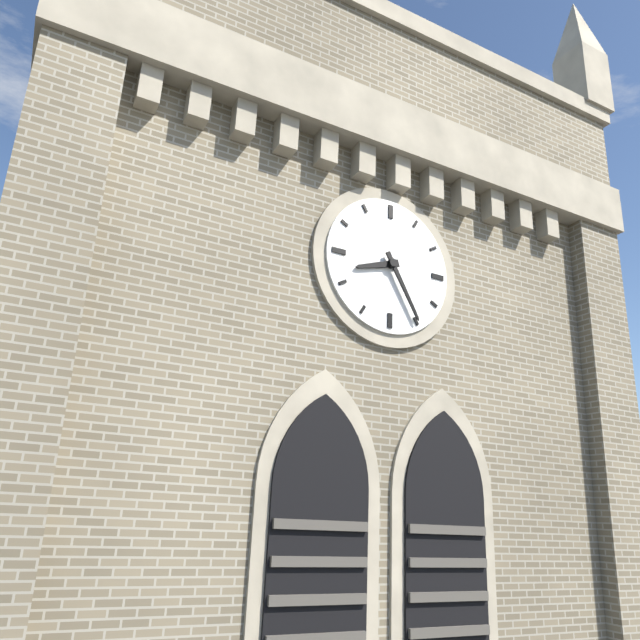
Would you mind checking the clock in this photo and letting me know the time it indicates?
8:25
